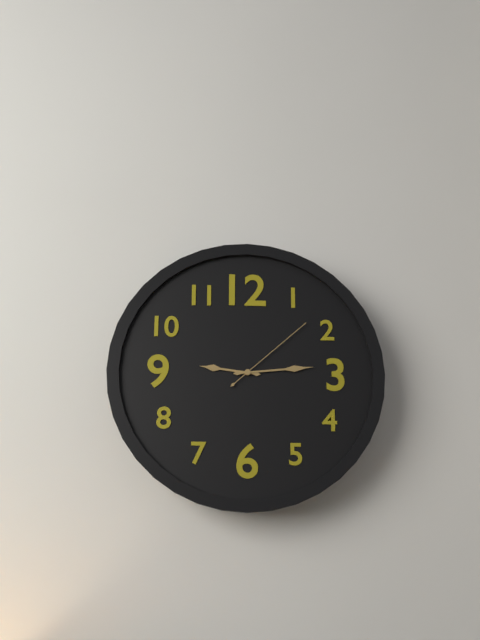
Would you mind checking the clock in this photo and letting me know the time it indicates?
9:14:08
